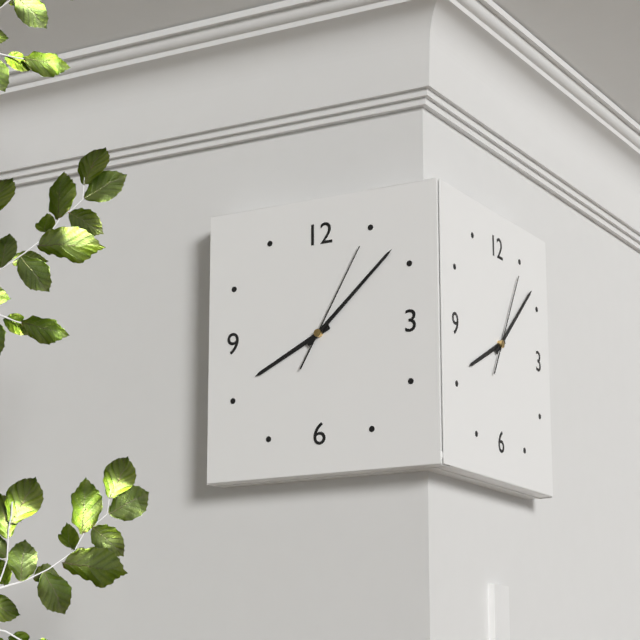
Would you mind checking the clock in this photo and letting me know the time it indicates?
8:08:05
